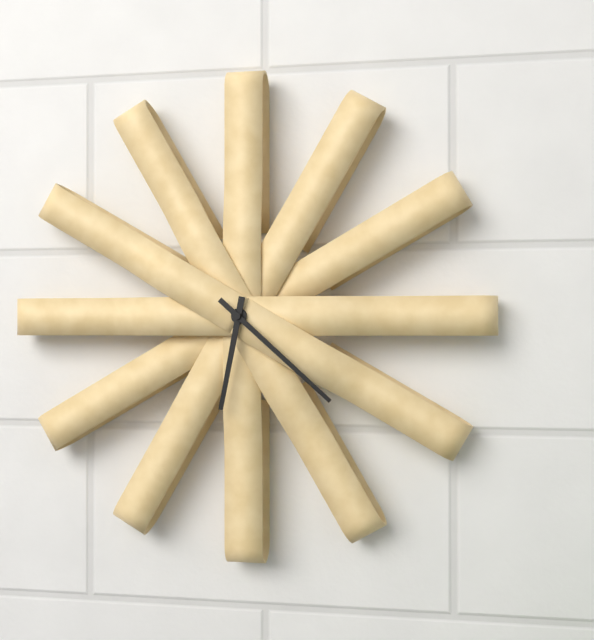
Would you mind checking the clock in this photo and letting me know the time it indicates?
6:22
